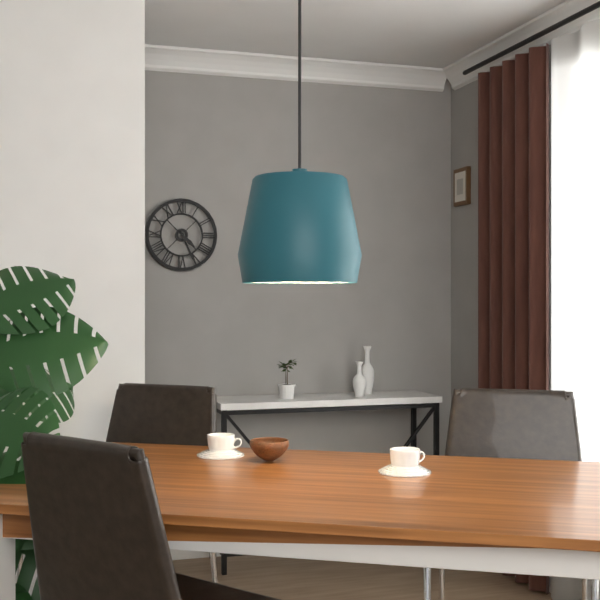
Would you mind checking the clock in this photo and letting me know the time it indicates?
4:26
